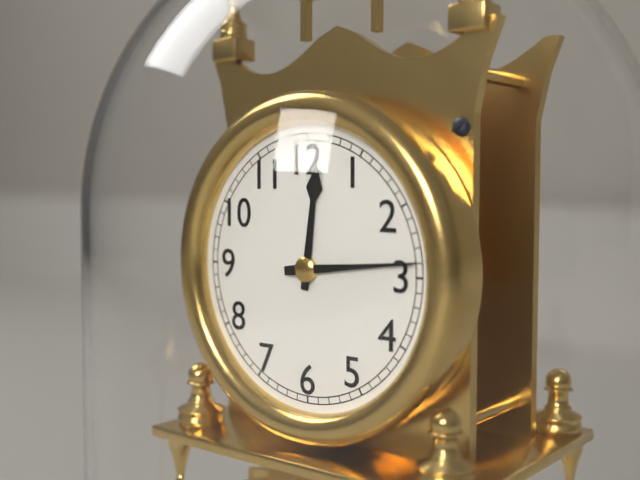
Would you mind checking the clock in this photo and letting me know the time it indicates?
12:14
